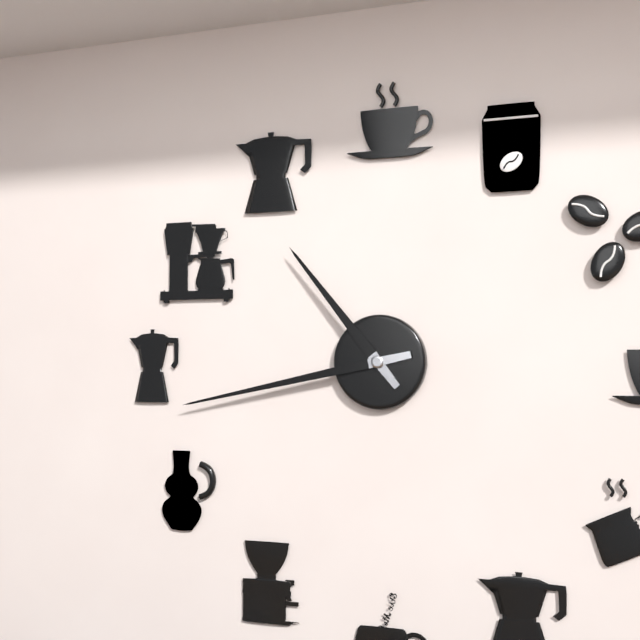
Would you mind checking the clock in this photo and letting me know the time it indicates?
10:43
